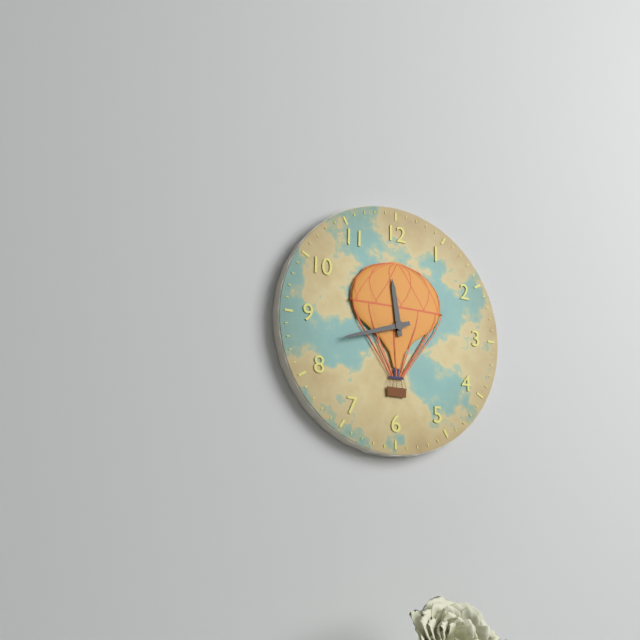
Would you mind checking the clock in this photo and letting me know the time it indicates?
11:42
